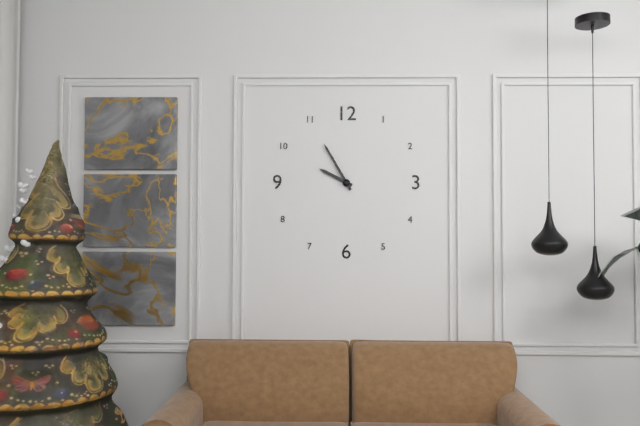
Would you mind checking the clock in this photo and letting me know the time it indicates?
9:55
